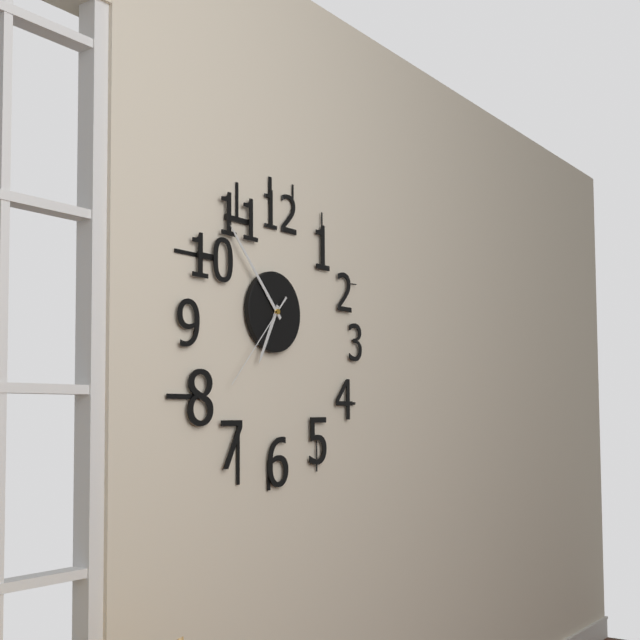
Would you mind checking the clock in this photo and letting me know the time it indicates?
6:53:37
